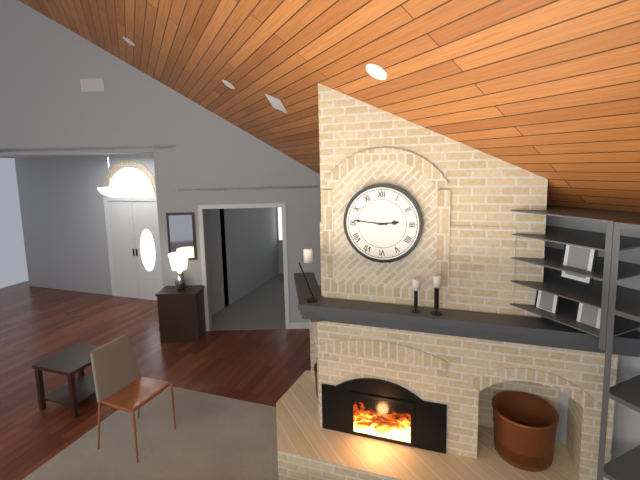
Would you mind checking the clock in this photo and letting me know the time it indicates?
2:46
